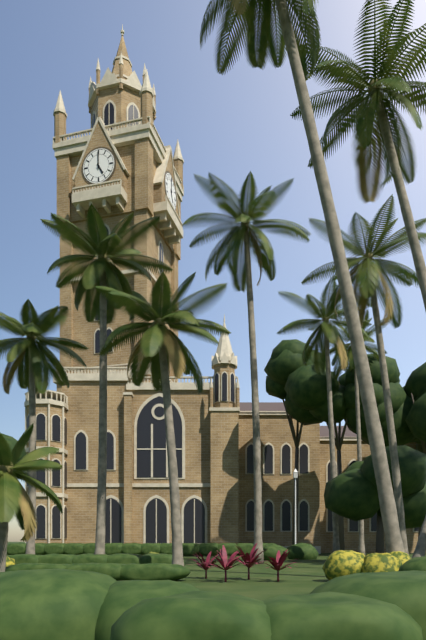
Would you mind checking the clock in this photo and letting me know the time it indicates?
5:00
